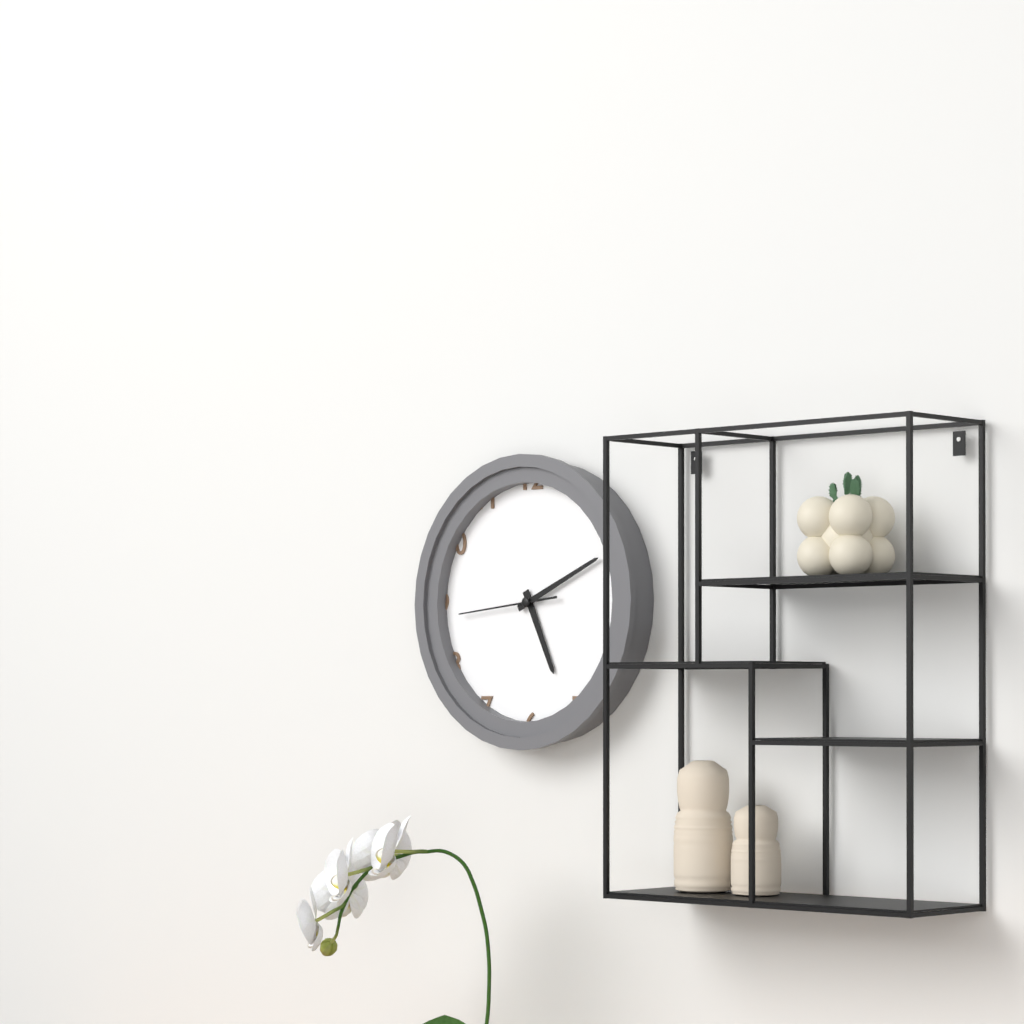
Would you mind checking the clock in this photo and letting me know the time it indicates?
5:11:44
